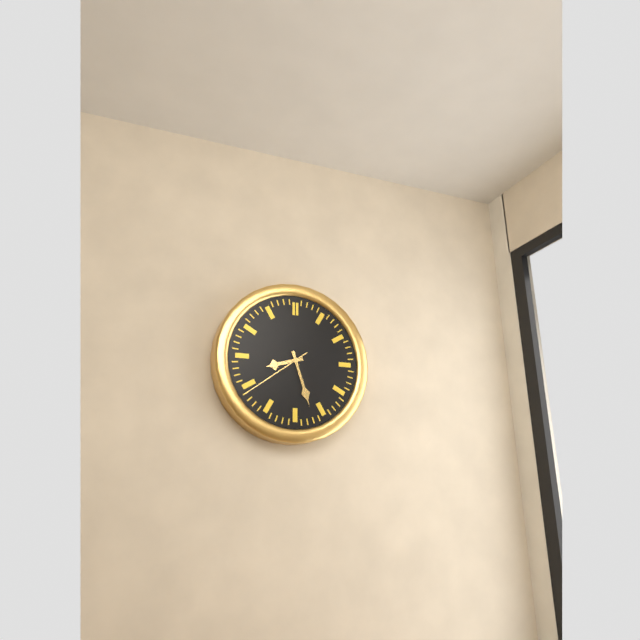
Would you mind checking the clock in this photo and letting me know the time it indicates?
8:27:39
